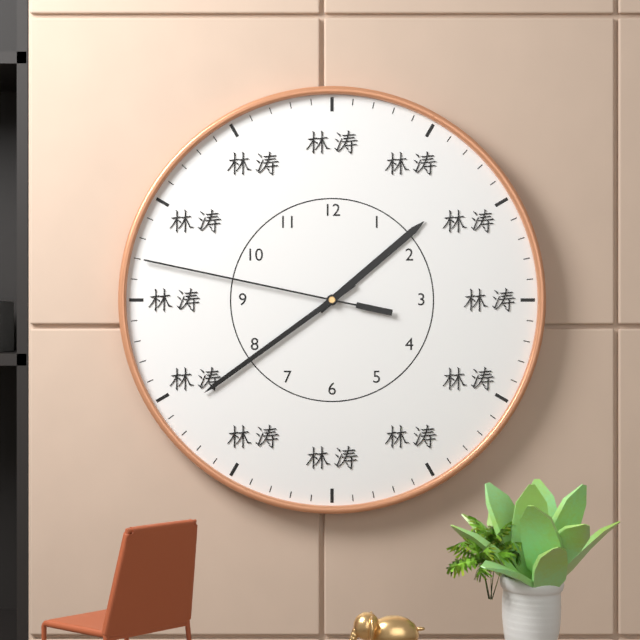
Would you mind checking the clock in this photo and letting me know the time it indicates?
1:39:47
